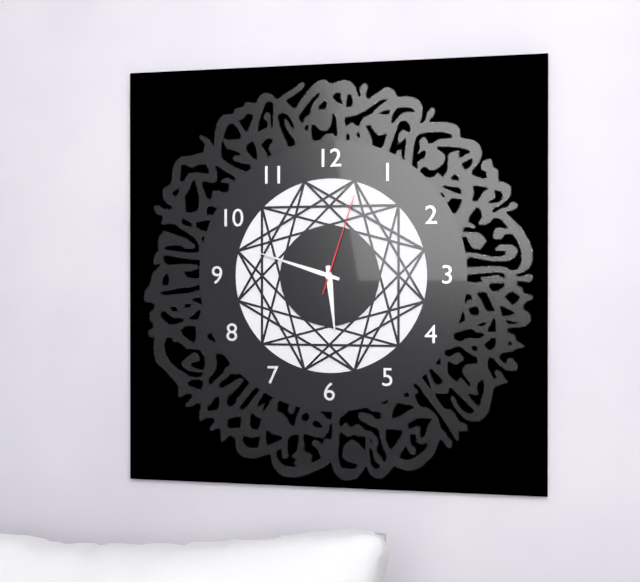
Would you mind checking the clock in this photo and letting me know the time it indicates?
5:48:03
